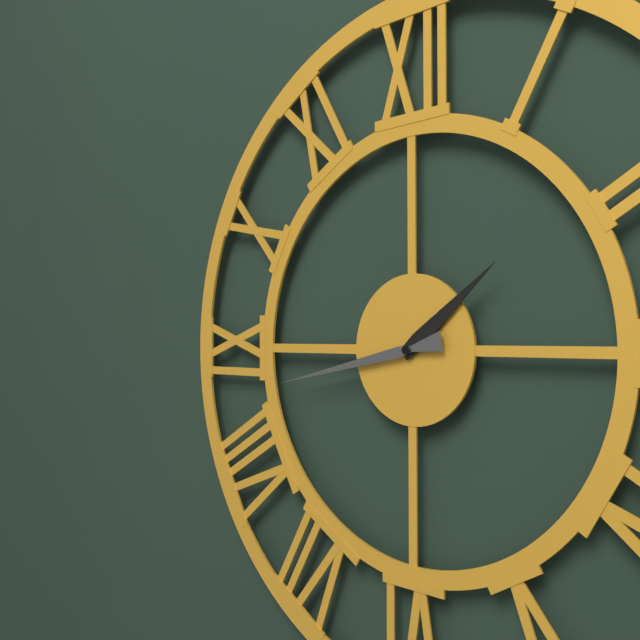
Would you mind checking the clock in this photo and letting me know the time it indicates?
1:43
